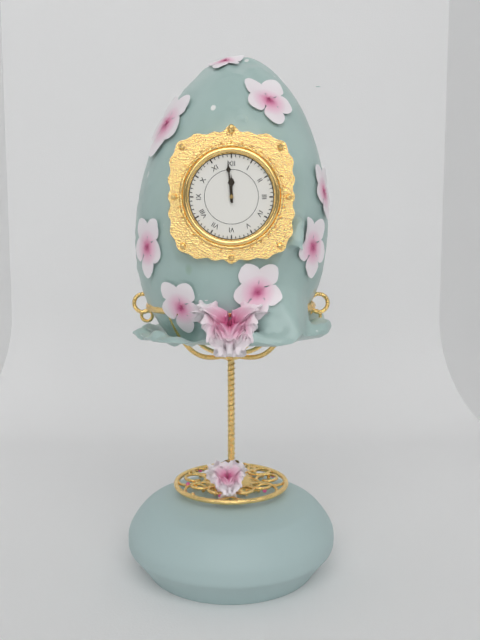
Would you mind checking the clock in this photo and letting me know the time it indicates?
11:59
